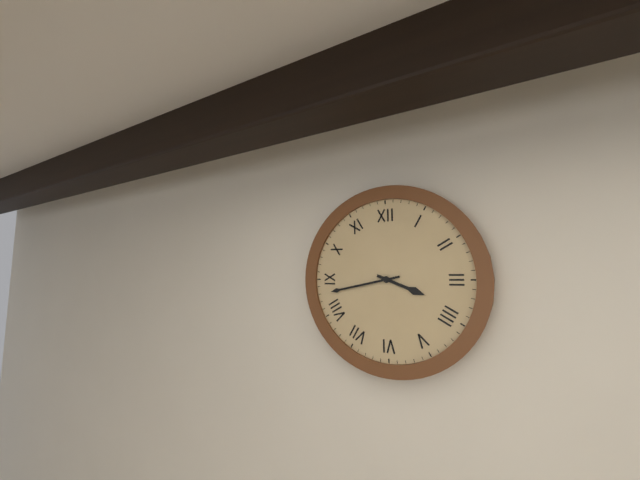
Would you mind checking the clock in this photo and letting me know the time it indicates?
3:43
